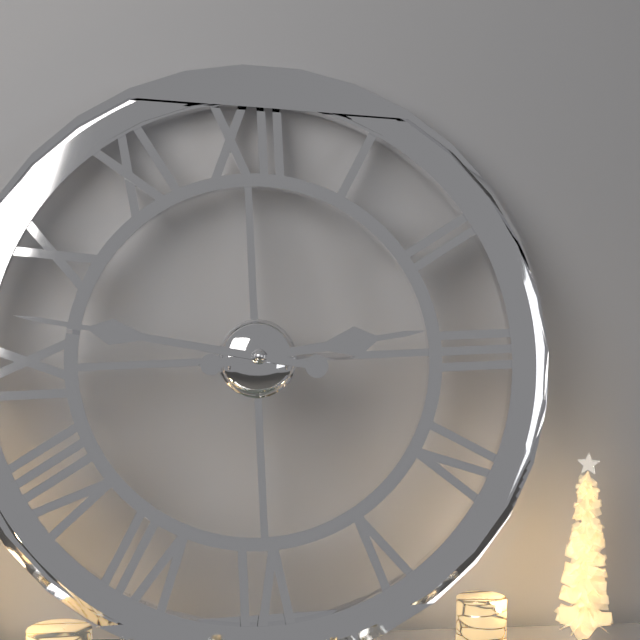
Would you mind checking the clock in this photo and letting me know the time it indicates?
2:47
